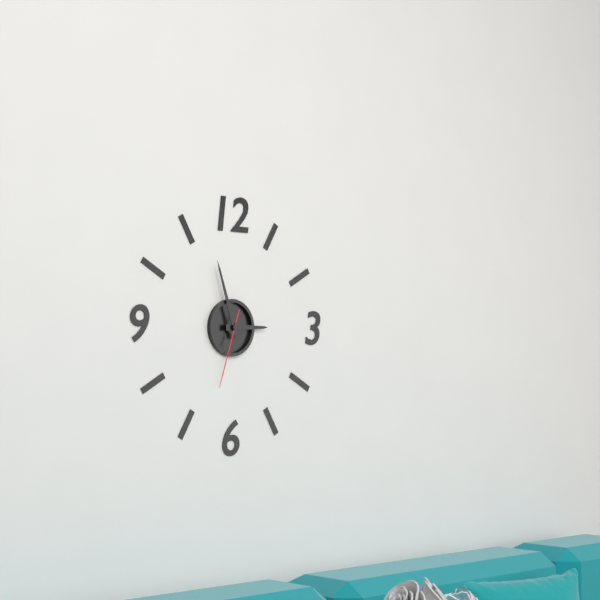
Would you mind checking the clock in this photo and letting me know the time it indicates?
2:57:33
